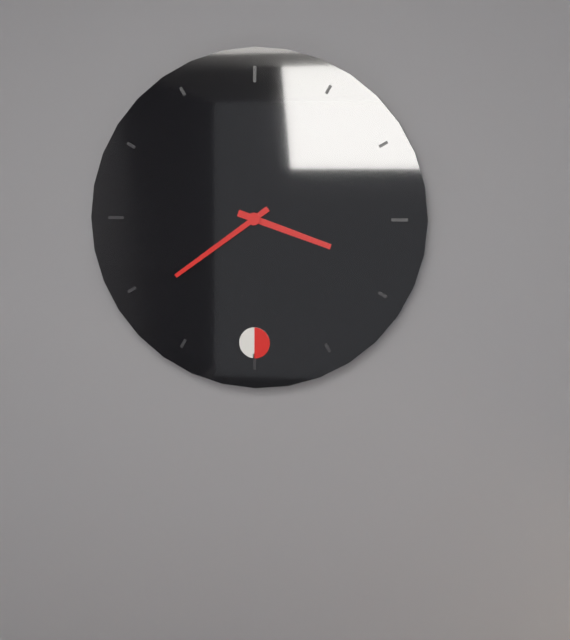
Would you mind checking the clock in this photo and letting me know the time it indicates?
3:39
